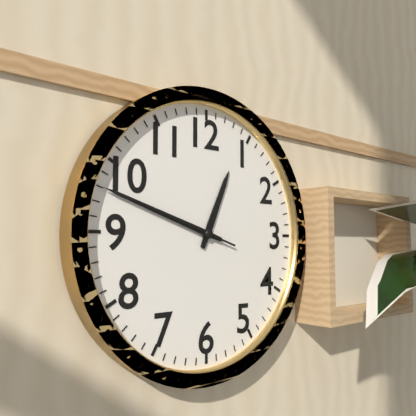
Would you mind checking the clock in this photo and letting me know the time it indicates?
12:48:48
